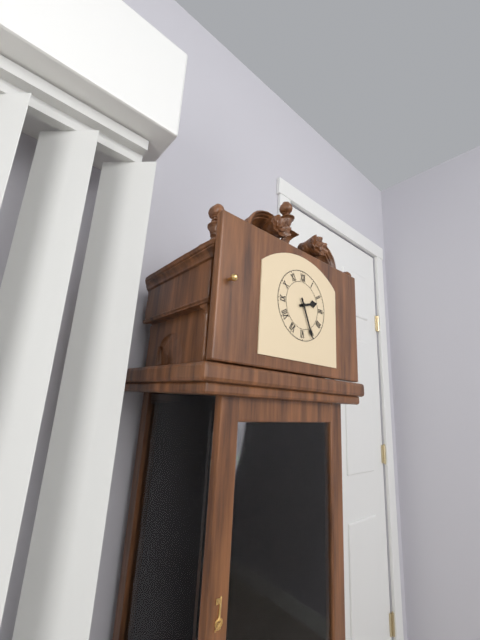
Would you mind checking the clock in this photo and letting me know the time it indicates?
2:26
